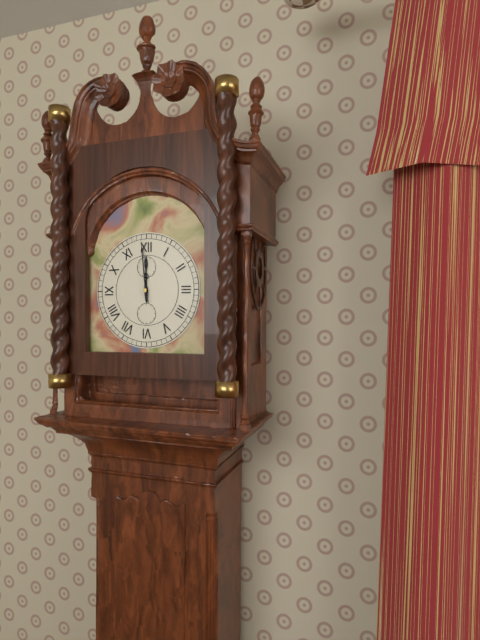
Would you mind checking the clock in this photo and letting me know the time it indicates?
11:59
